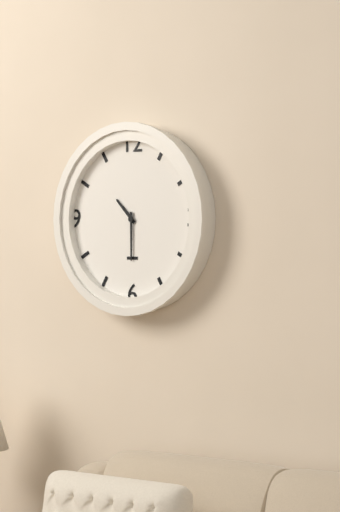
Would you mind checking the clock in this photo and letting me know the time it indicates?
10:30
